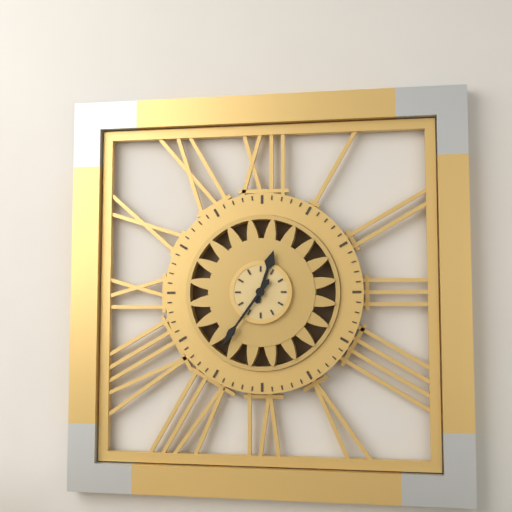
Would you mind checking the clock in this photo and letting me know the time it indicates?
12:36
